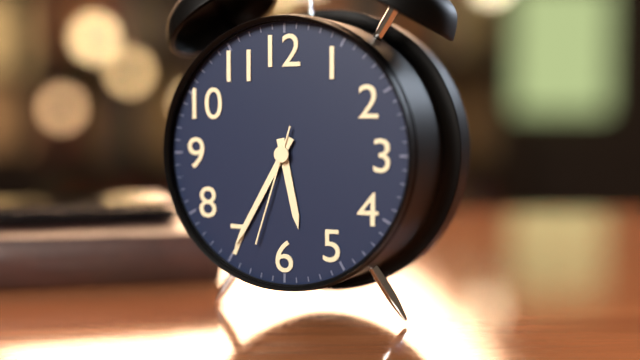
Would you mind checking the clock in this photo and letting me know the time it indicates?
5:35:33
